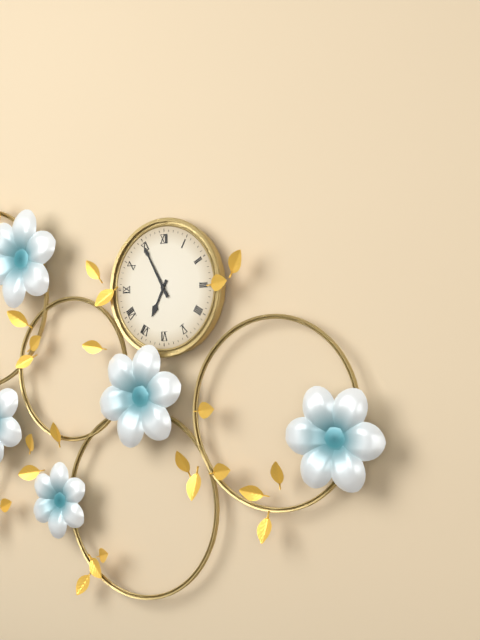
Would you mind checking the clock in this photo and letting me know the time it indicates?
6:55
